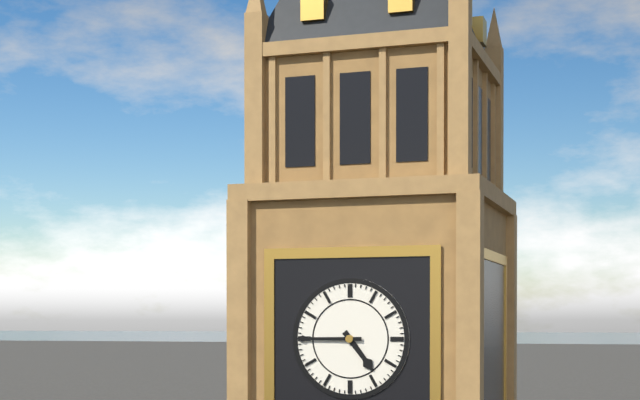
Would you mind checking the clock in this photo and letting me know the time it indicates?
4:45
